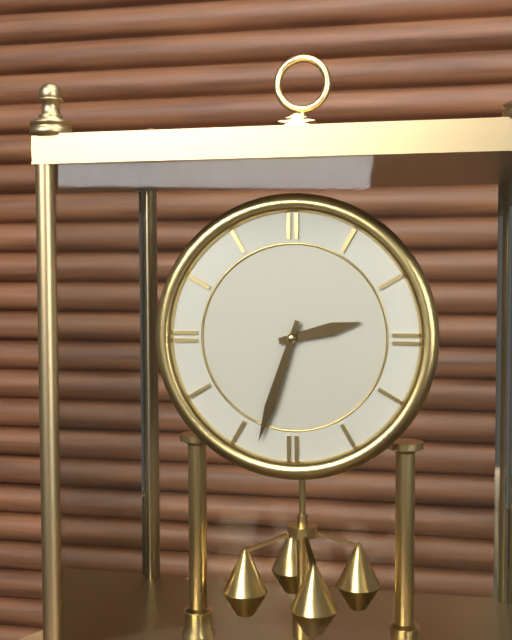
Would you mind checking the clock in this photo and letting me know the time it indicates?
2:33
